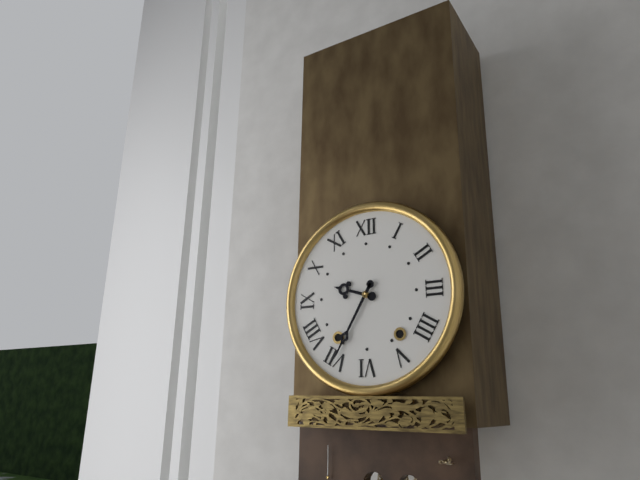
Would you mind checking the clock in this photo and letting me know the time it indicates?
9:35
